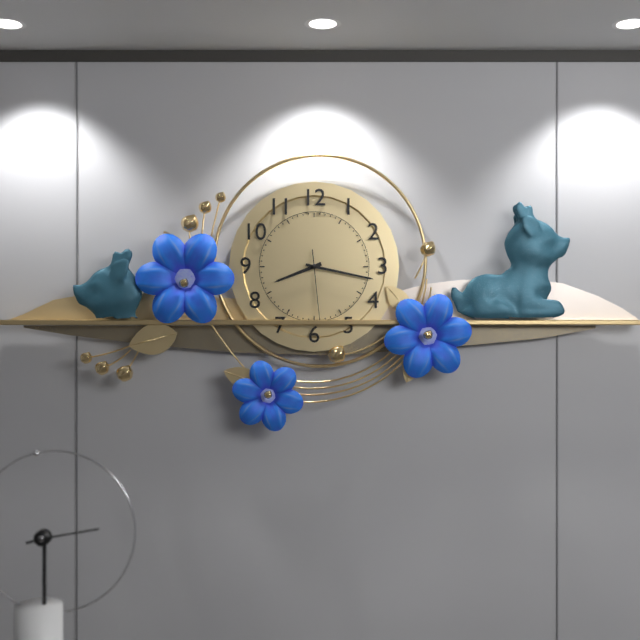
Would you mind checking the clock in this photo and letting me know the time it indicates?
8:17:29
